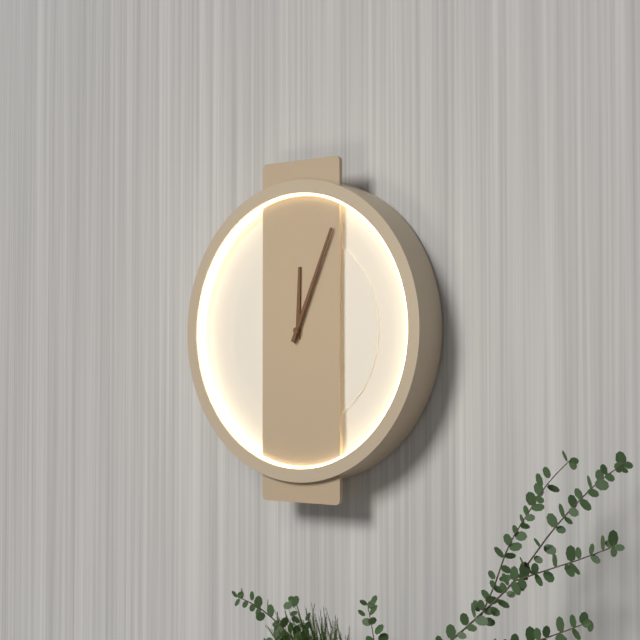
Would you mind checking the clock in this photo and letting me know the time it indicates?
12:04
